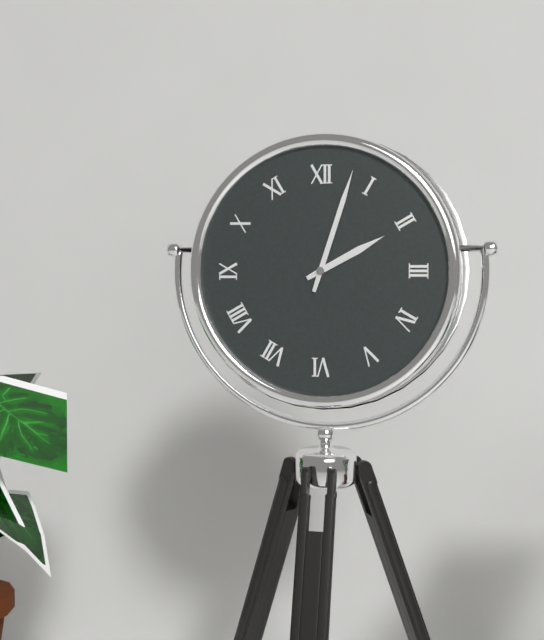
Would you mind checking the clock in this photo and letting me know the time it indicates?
2:03
